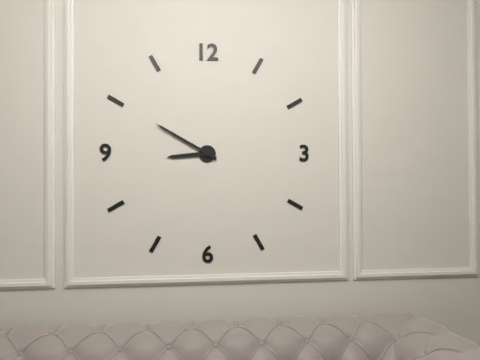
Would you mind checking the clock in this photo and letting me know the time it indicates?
8:50
